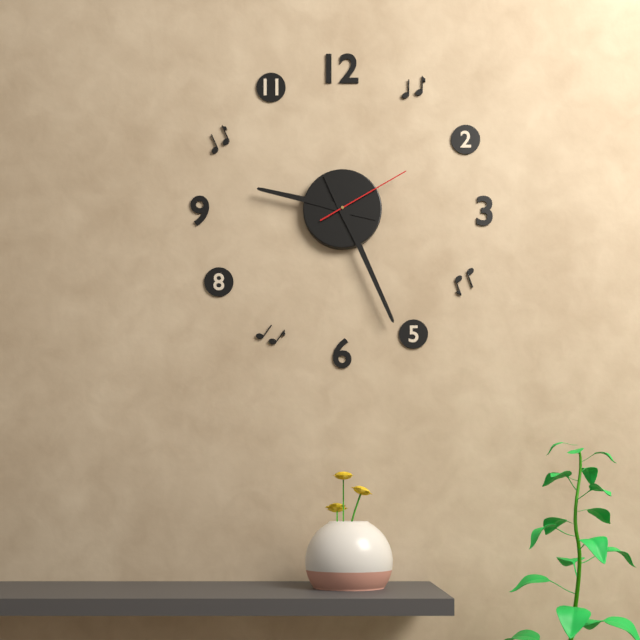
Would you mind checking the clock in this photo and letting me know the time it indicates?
9:26:10
